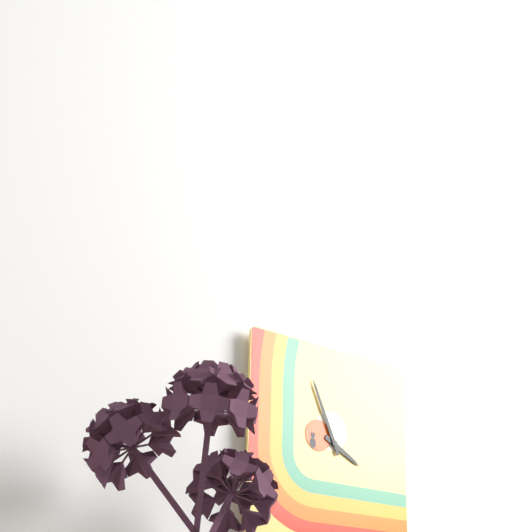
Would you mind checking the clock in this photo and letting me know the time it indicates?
3:56
